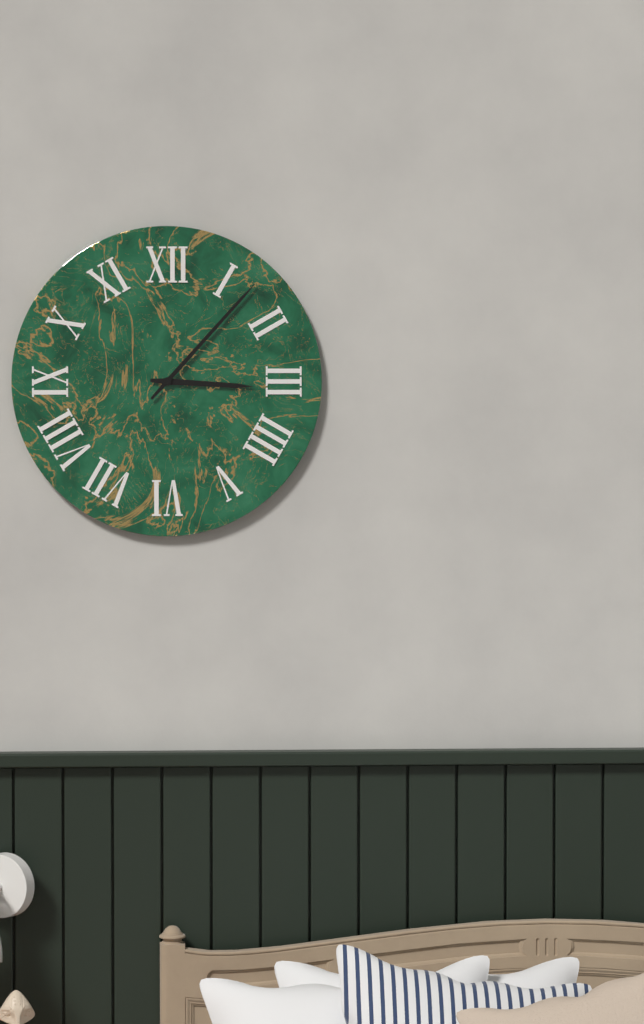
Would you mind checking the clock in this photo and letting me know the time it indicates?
3:07
